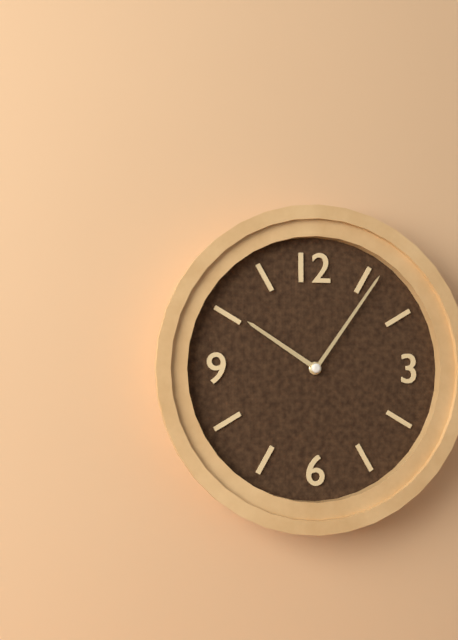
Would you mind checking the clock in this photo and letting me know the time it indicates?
10:06
